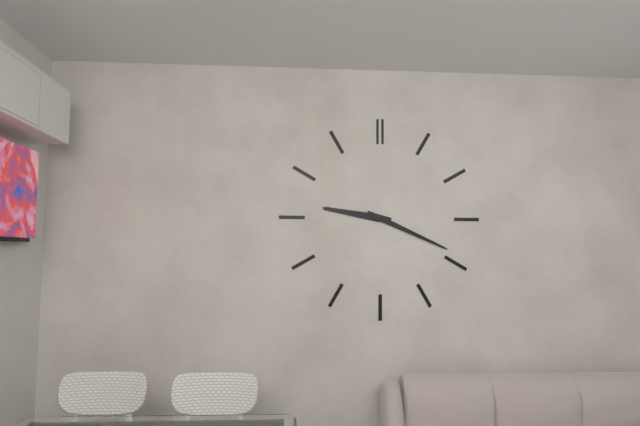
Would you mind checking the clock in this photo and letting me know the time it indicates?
9:19
